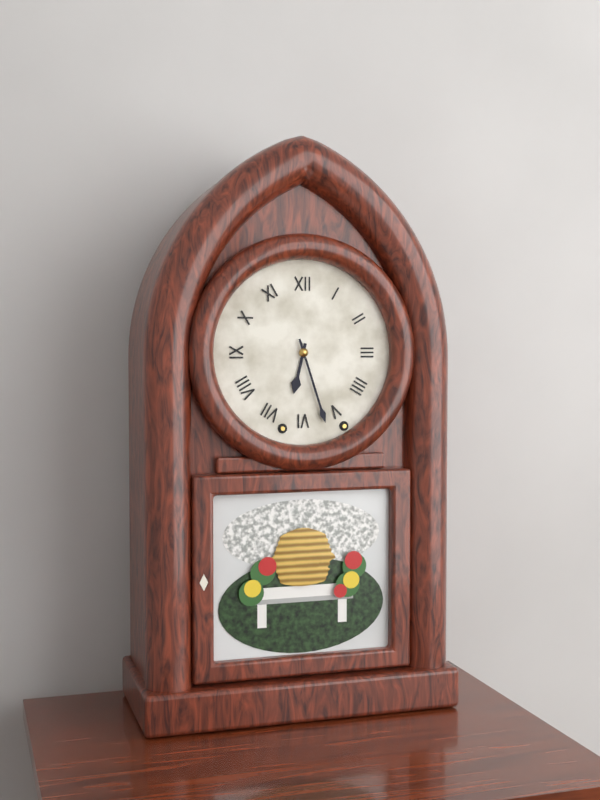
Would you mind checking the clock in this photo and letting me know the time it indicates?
6:27
